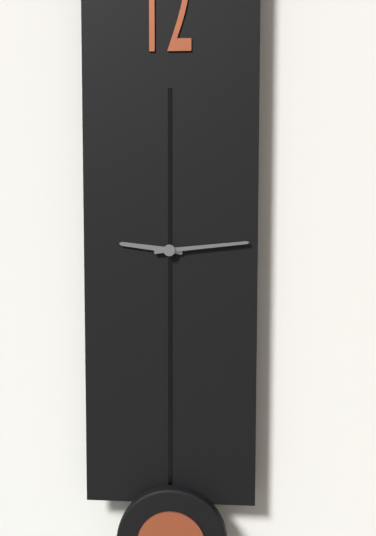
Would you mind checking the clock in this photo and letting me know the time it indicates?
9:14
